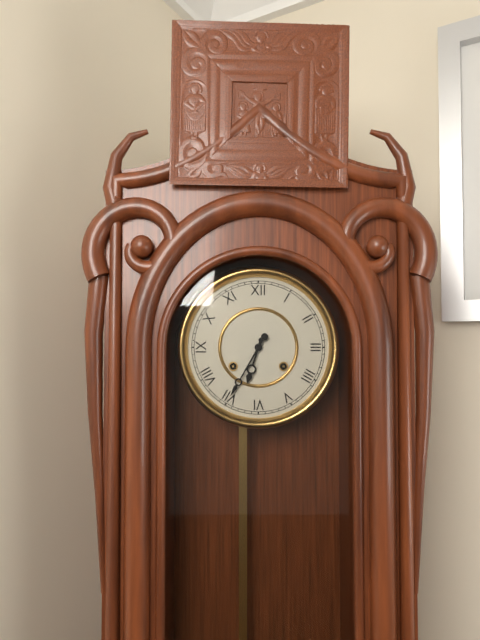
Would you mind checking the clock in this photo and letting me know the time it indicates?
6:35
